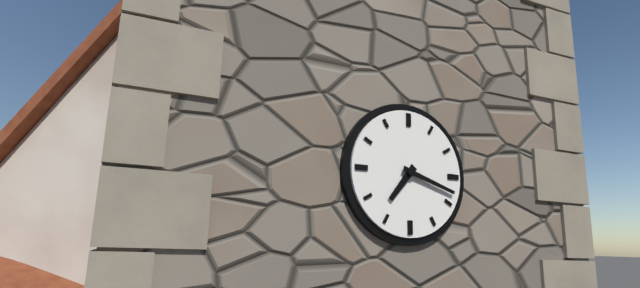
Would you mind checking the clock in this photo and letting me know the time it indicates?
7:18
